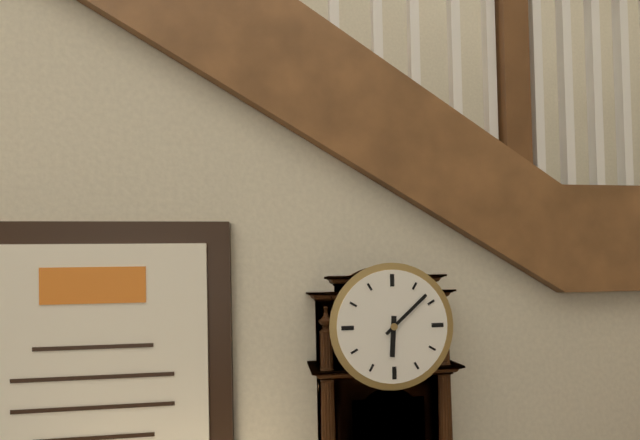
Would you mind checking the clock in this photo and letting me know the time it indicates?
6:08
